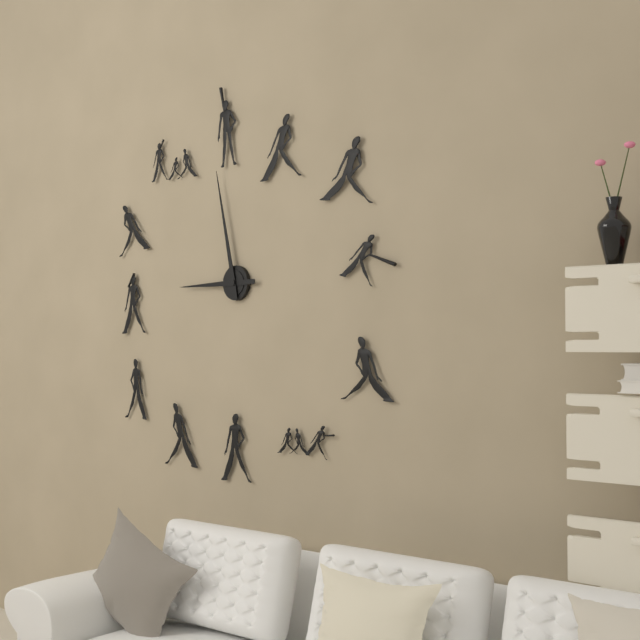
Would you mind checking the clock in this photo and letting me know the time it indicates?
8:58
